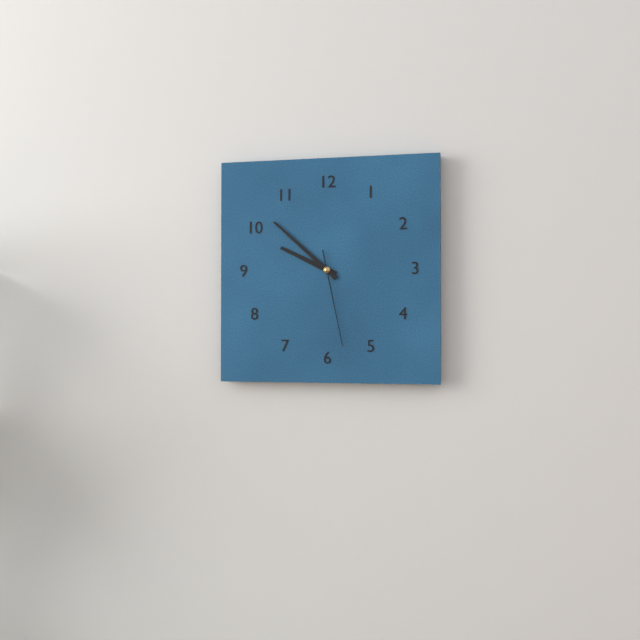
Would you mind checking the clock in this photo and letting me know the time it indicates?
9:52:28
